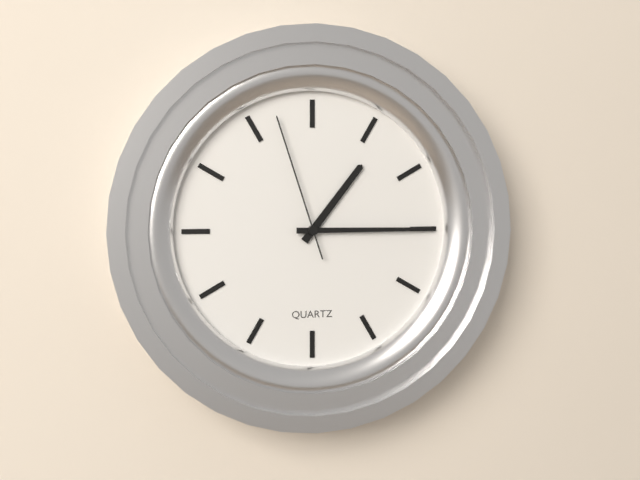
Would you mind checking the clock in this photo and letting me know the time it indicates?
1:15:57
